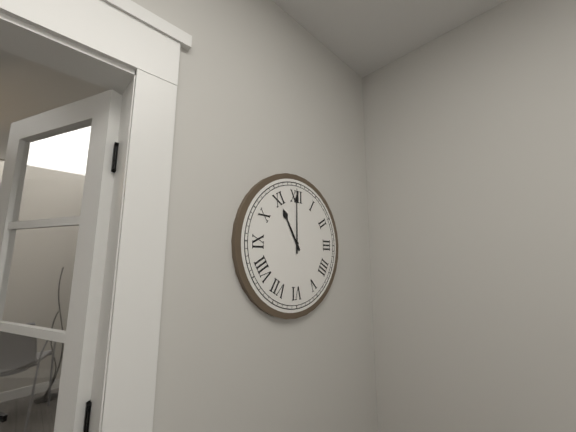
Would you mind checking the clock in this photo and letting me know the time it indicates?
11:00
